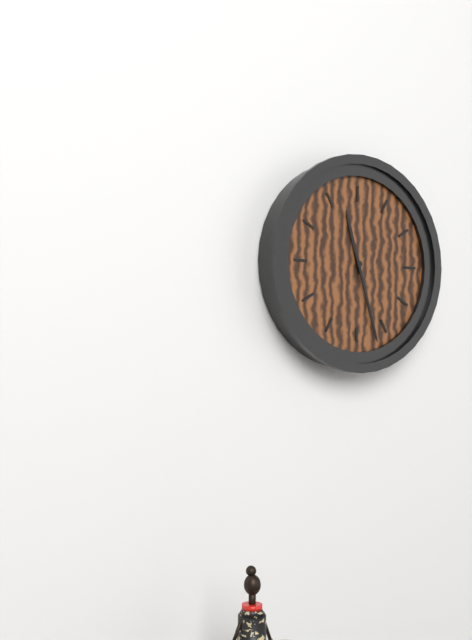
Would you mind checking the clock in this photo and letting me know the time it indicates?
11:27
